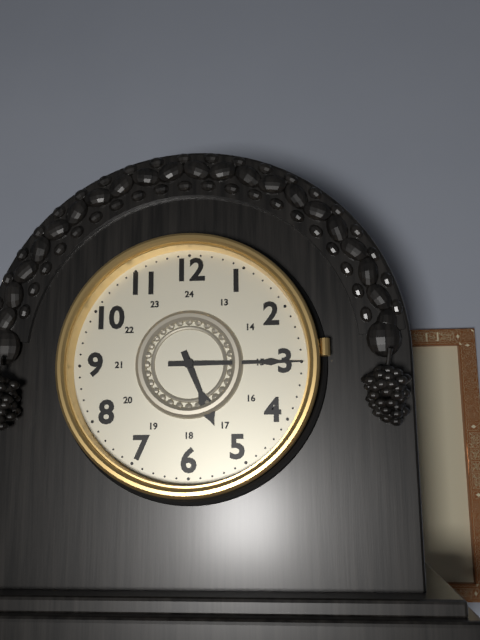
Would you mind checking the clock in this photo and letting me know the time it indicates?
5:15
